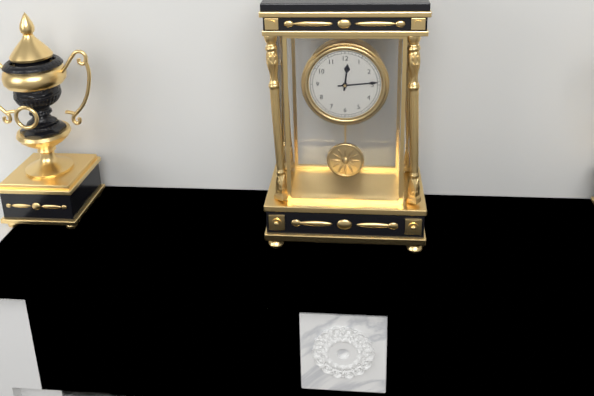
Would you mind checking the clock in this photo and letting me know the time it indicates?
12:14
